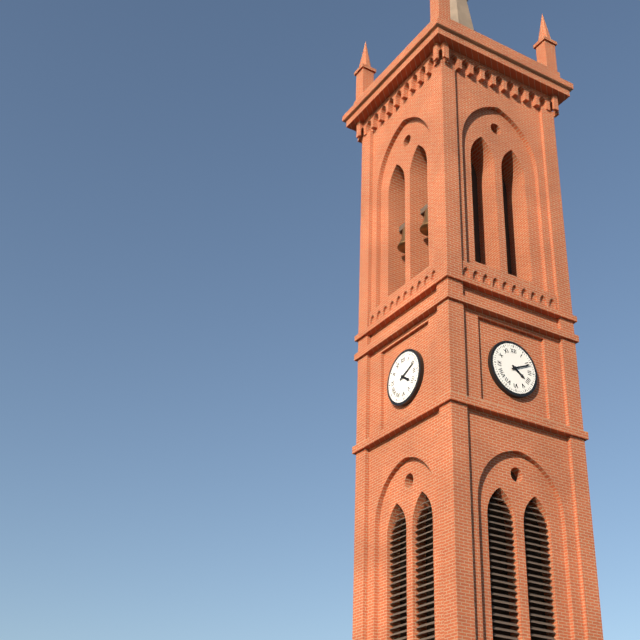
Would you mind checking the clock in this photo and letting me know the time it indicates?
4:11
